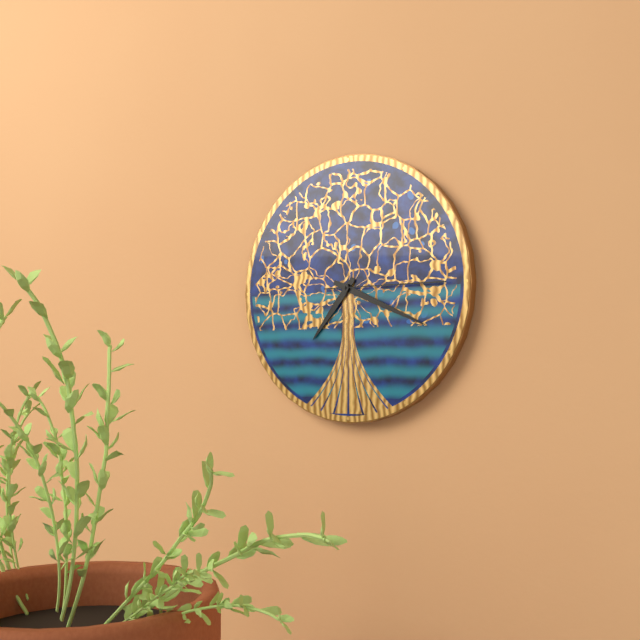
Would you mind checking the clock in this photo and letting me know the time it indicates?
7:19:15
